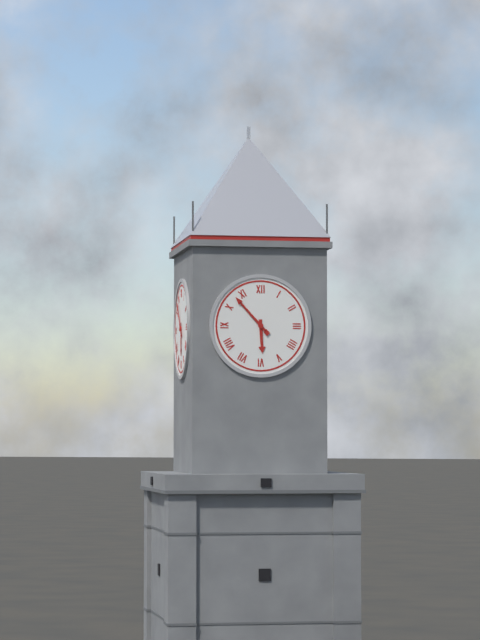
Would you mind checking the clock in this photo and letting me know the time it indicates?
5:53
